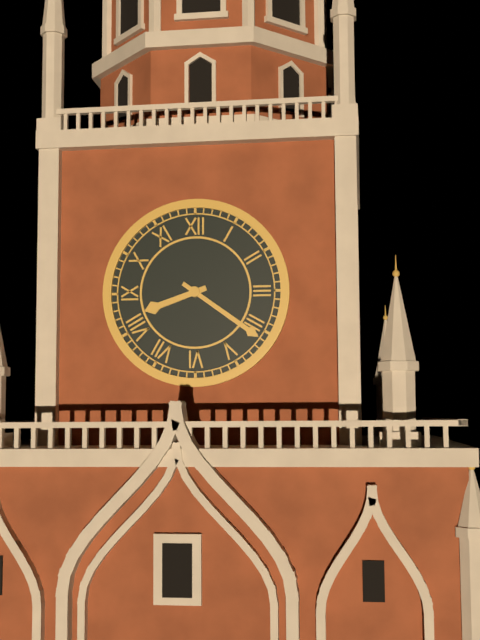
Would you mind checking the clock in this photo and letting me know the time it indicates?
8:21
